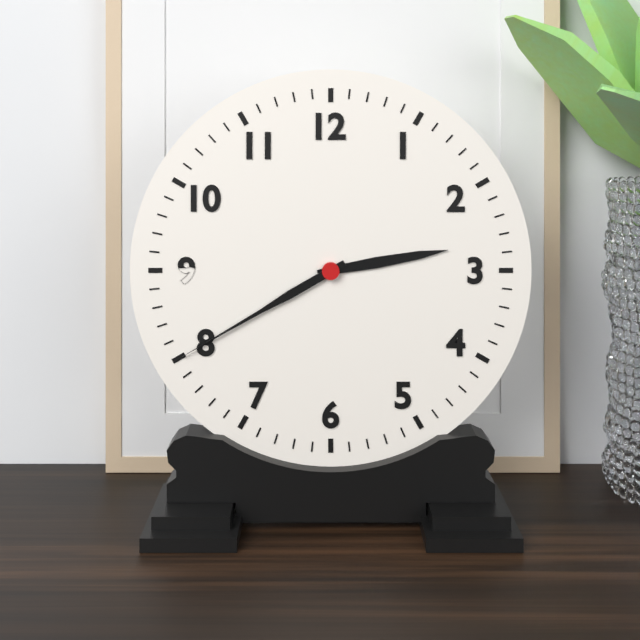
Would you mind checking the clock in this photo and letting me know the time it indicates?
2:40
